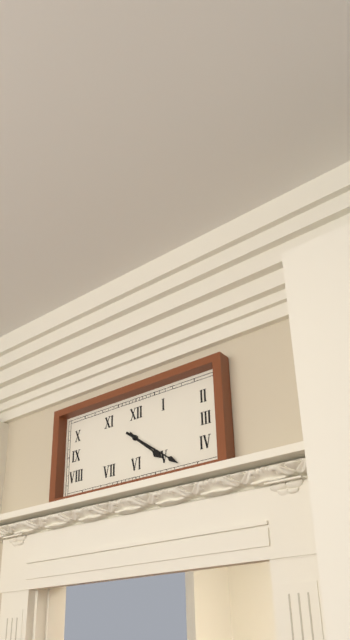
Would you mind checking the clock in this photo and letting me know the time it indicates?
4:21
